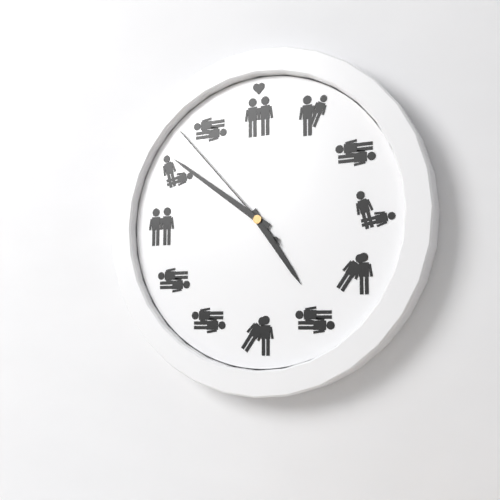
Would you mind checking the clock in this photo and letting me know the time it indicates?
4:51:53
